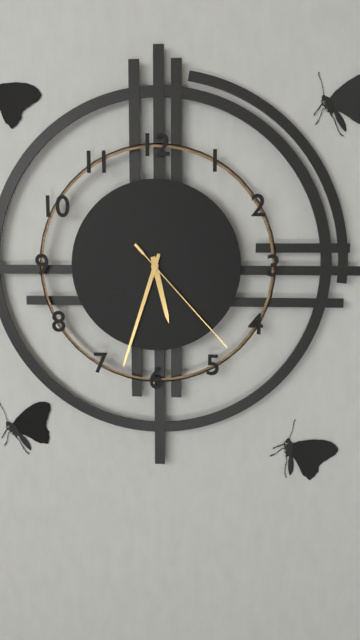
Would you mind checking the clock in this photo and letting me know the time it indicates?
5:33:23
